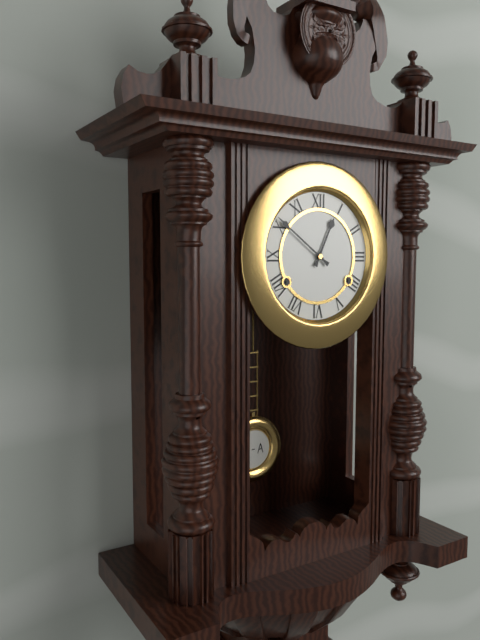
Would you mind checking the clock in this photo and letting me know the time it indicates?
12:51
